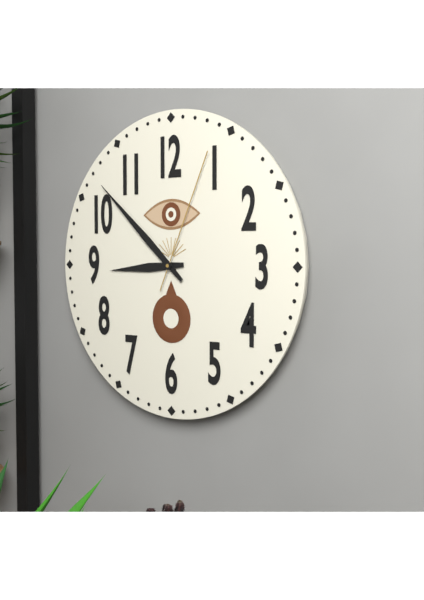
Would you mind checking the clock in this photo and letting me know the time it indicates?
8:52:04
